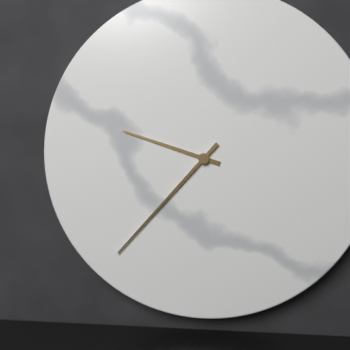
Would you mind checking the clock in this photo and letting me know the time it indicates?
9:37
